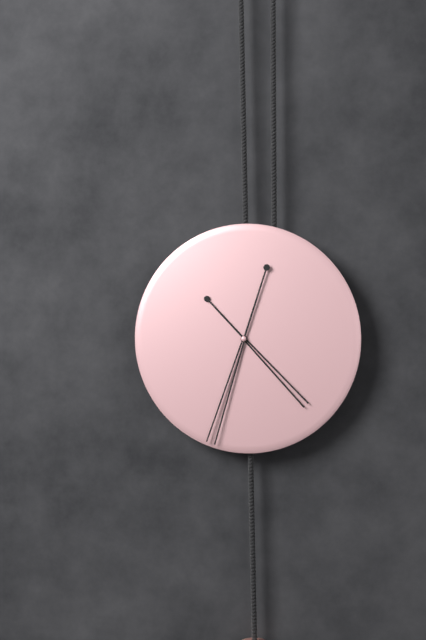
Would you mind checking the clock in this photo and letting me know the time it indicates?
4:33
